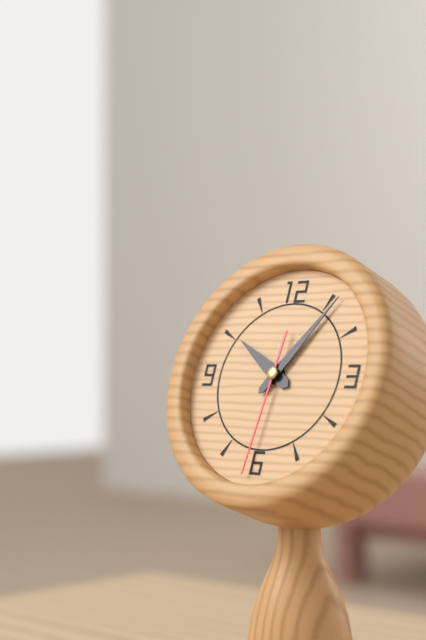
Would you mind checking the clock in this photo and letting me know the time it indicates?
10:06:31
